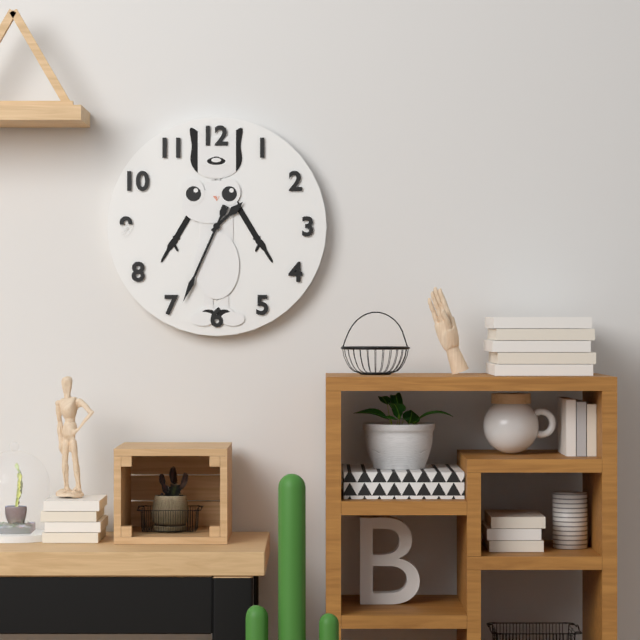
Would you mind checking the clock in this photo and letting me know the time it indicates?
1:34
